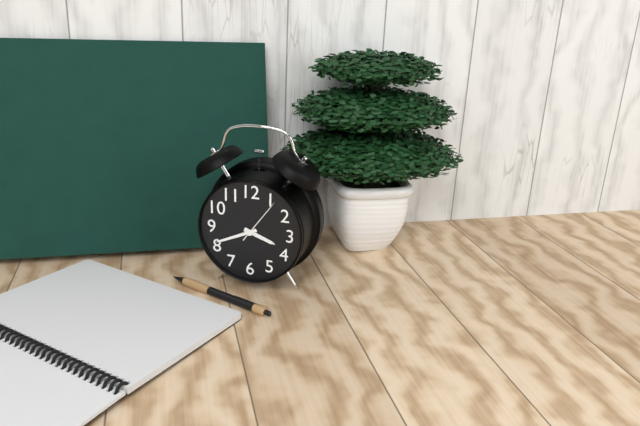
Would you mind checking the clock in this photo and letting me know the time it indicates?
3:41
